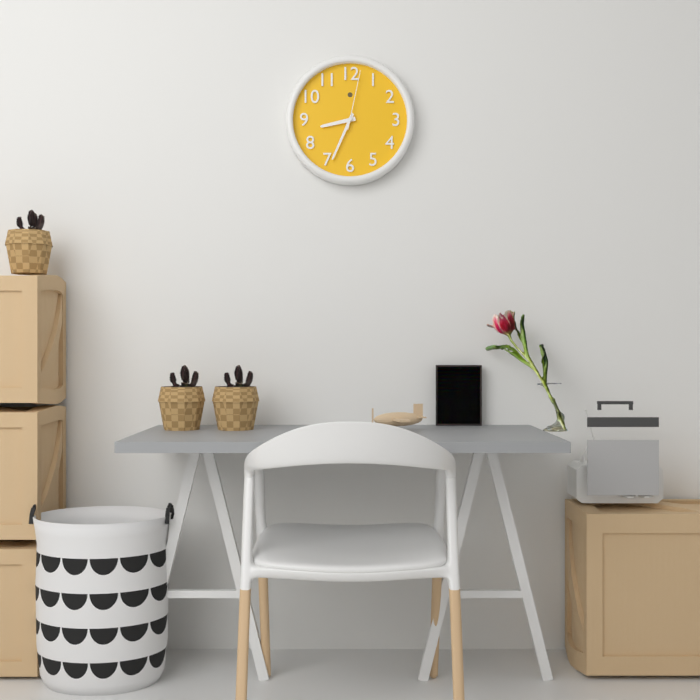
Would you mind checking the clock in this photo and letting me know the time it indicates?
8:34:02
